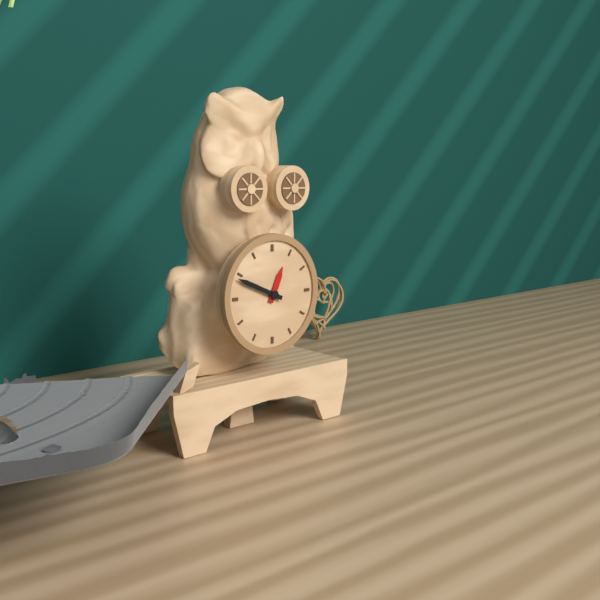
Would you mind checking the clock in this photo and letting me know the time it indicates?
12:49
